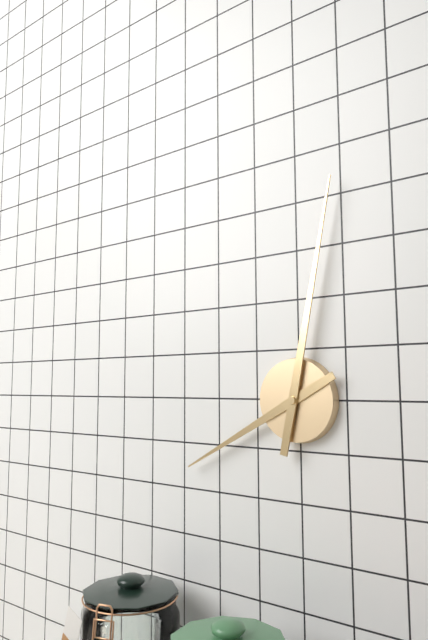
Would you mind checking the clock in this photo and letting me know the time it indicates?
8:02
